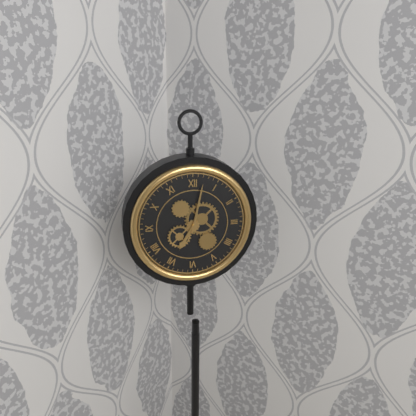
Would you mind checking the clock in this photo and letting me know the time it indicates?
7:02
